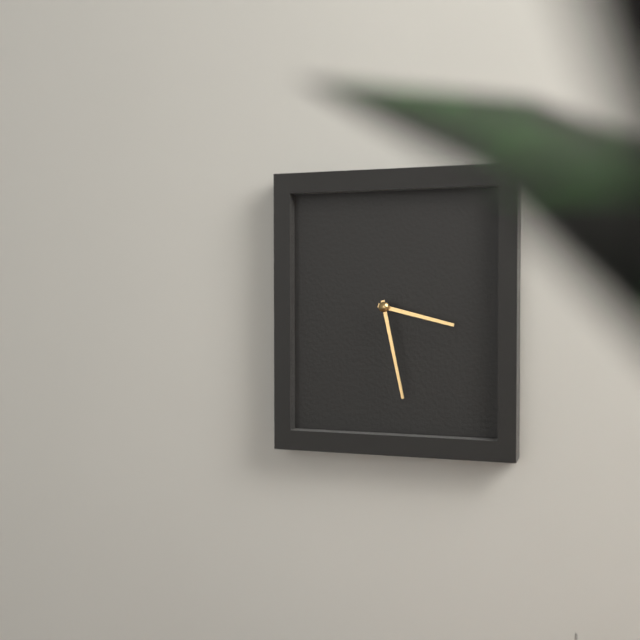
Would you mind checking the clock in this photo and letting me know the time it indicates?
3:28
